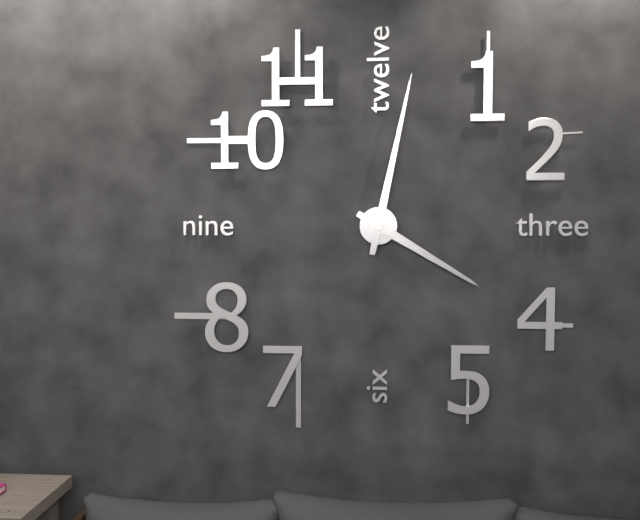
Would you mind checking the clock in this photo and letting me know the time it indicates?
4:02
